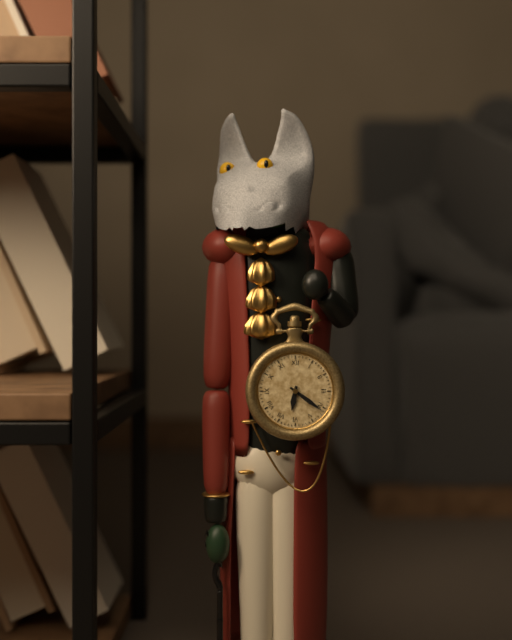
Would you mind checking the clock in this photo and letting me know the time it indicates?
6:21
